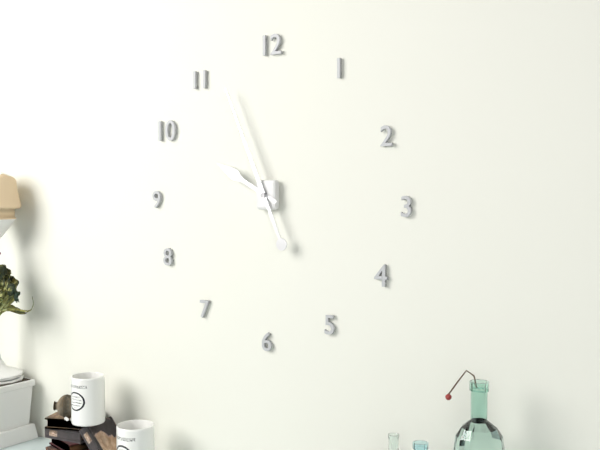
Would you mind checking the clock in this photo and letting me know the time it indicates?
9:56
